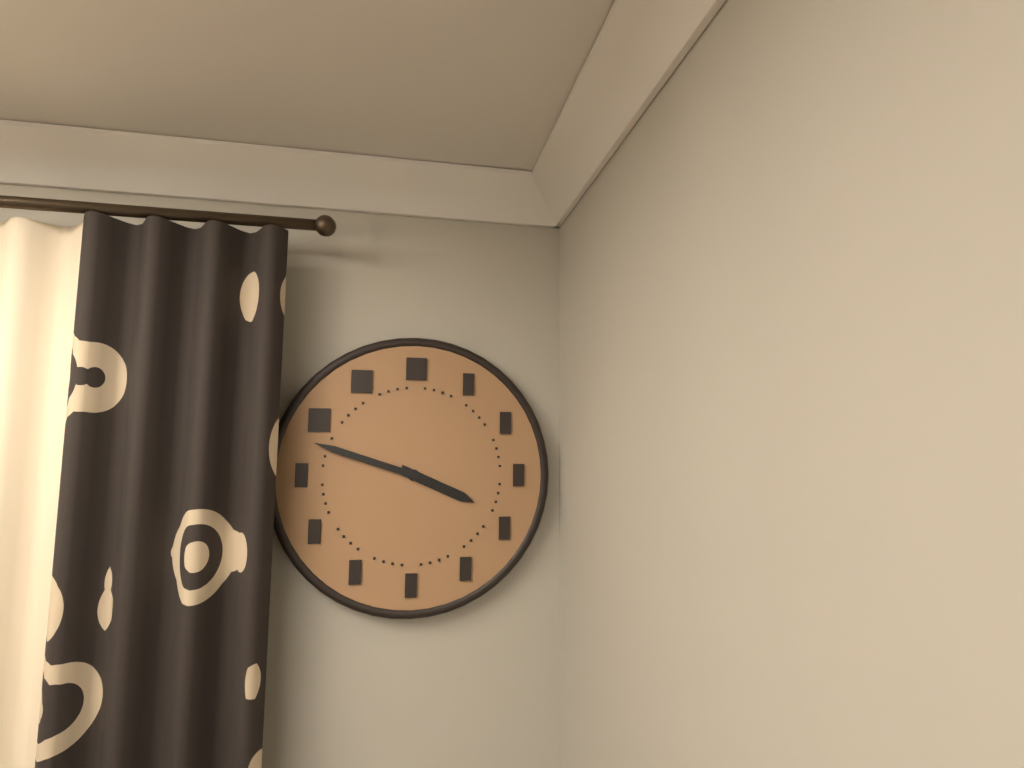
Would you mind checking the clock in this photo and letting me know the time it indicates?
3:48
